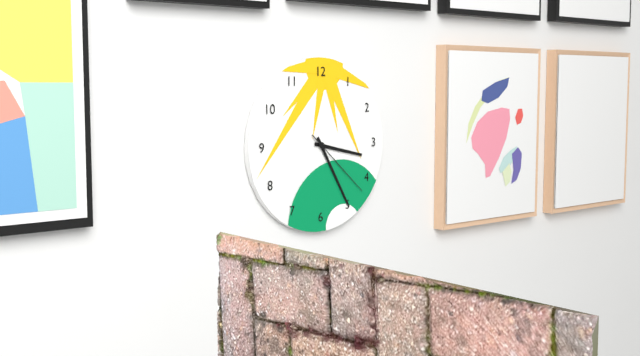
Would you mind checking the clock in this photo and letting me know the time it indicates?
3:25:22
